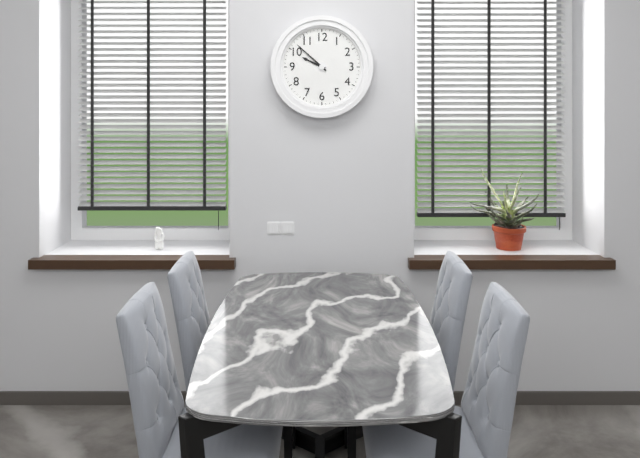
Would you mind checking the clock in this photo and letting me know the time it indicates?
9:52
